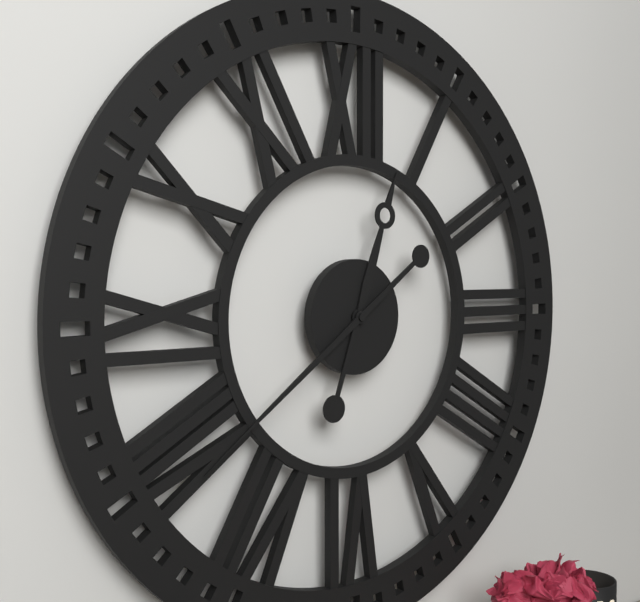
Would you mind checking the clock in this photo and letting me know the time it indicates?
12:39
